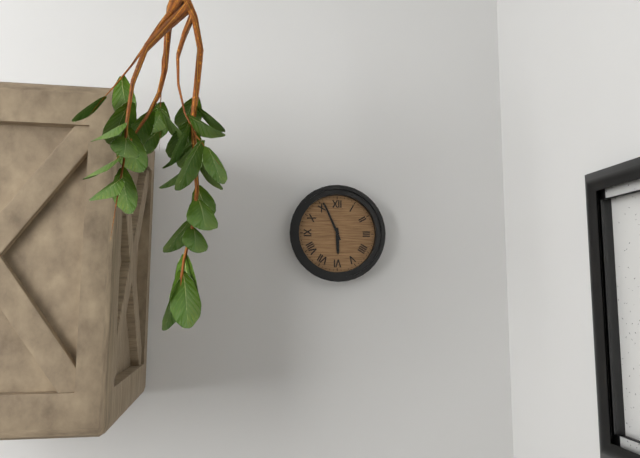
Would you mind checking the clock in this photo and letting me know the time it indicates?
5:56
